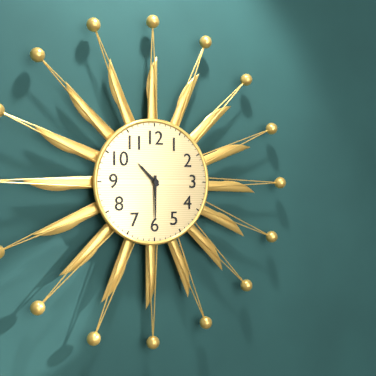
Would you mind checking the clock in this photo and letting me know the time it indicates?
10:30
